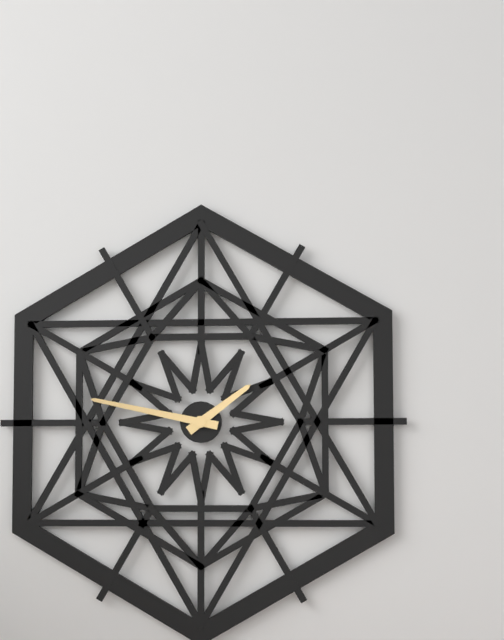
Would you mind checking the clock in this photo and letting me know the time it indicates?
1:47
